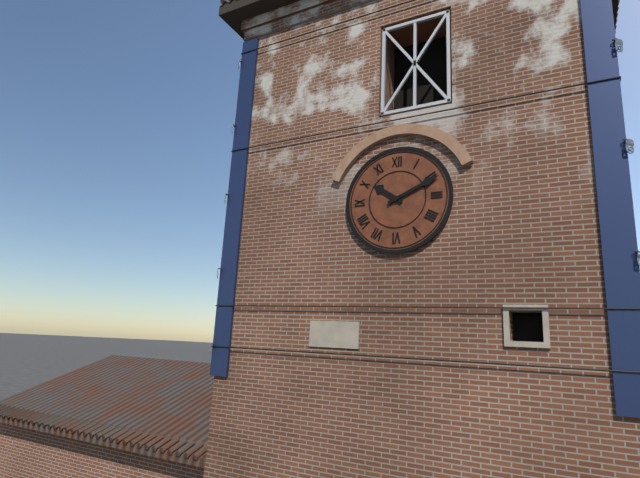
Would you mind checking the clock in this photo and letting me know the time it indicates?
10:11
